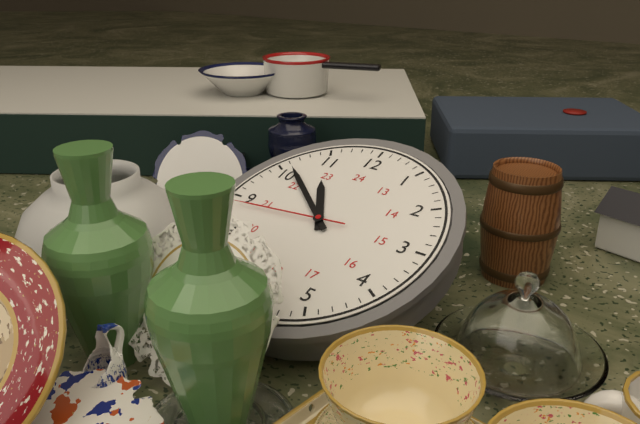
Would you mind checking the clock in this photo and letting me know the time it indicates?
10:51:44
